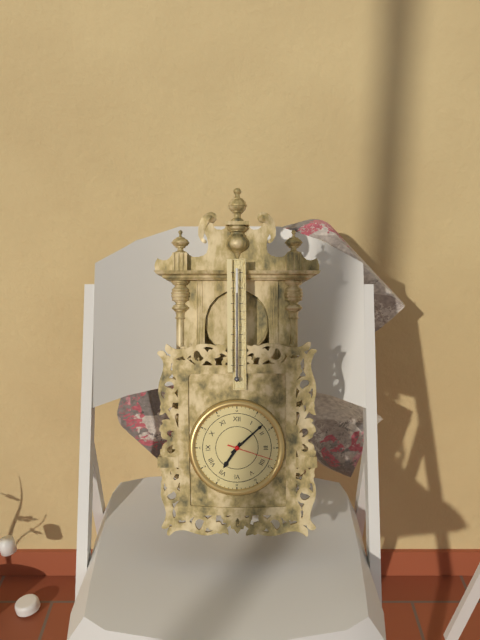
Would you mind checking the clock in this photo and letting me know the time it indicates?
7:08
